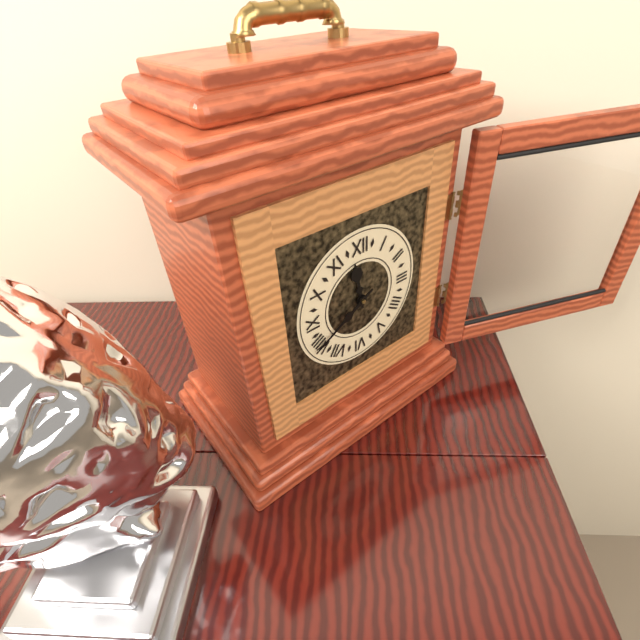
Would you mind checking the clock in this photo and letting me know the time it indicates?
11:40
